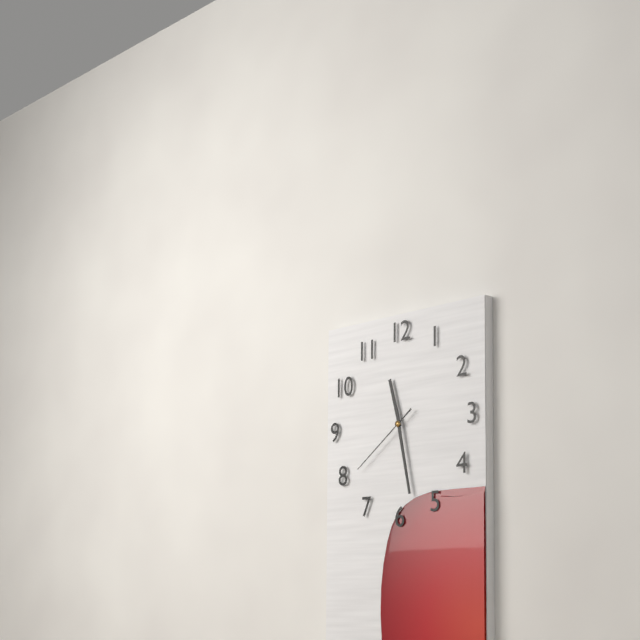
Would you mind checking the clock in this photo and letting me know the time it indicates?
11:28:39
